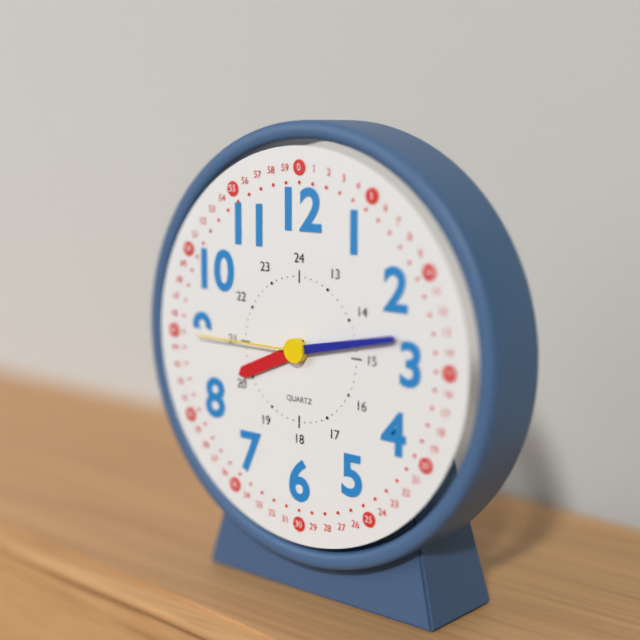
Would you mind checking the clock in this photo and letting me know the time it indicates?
8:13:45
